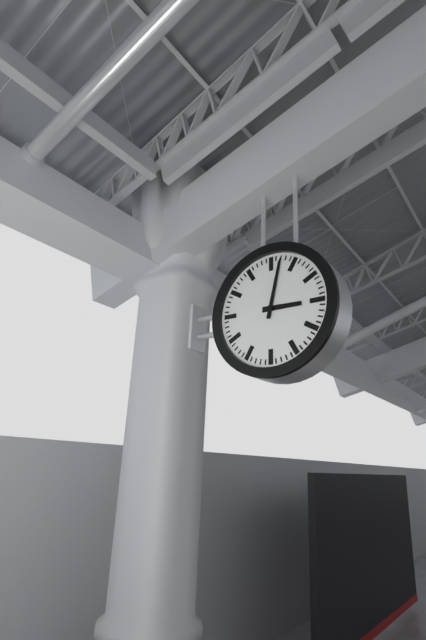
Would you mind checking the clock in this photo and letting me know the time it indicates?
3:02
